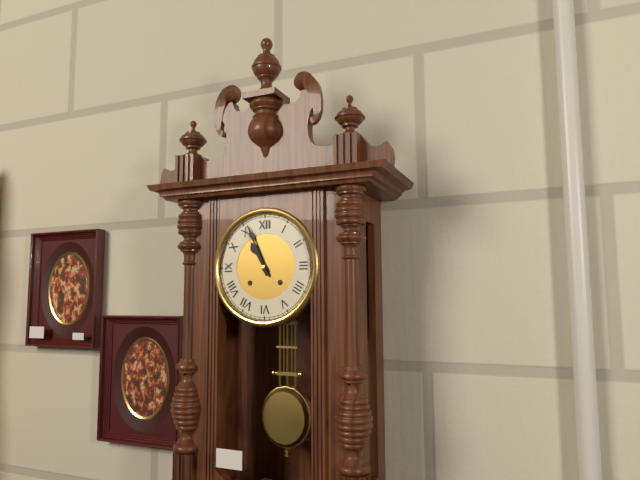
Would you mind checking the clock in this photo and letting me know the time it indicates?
10:56
